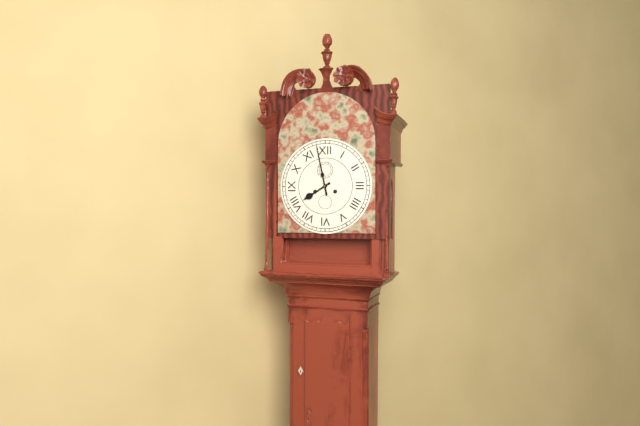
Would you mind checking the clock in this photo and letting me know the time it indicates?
7:58
